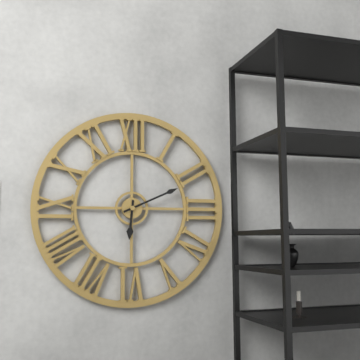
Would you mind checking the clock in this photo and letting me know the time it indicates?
6:11
